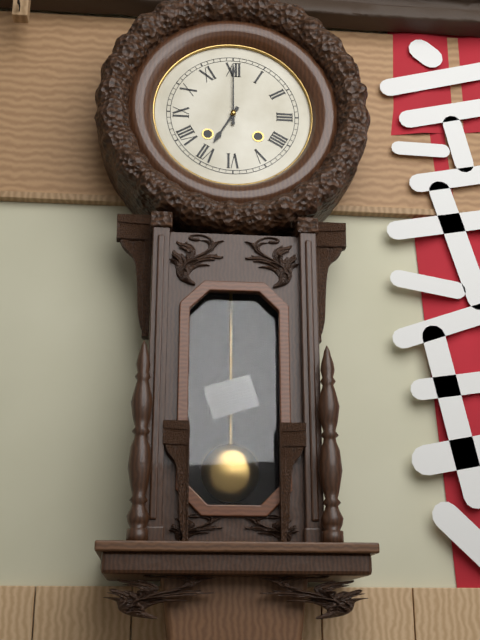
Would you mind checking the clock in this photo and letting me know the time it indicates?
7:00
